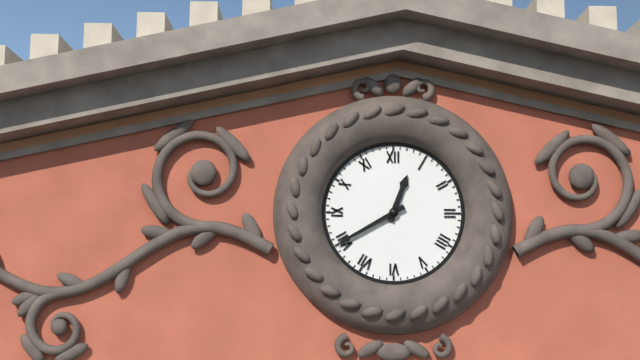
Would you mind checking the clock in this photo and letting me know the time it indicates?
12:40
